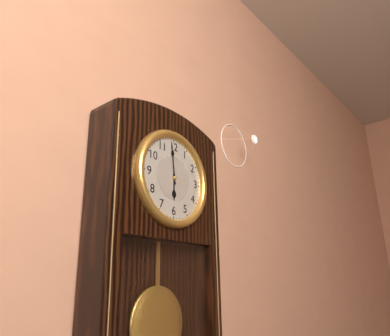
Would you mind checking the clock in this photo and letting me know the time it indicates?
5:59
